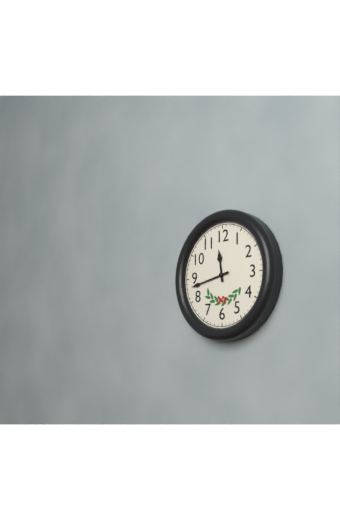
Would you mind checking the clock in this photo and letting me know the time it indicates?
11:43
